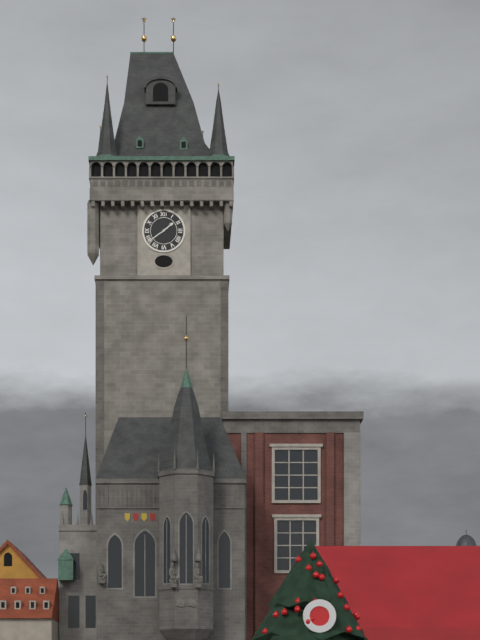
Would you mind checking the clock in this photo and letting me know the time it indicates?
1:39
